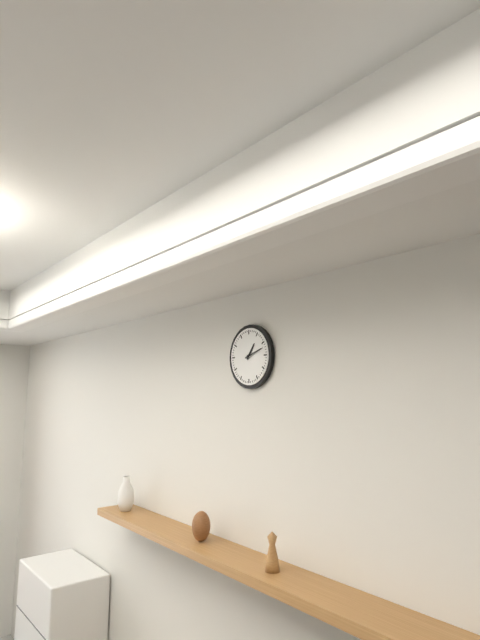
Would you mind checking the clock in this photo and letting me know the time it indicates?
1:12
